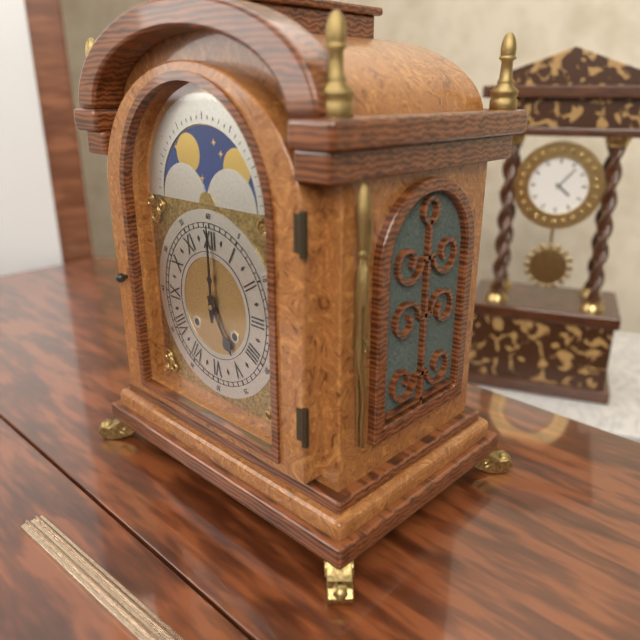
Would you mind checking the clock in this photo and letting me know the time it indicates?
5:00
